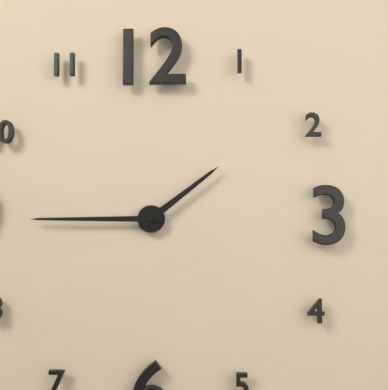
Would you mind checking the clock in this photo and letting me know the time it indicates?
1:45
